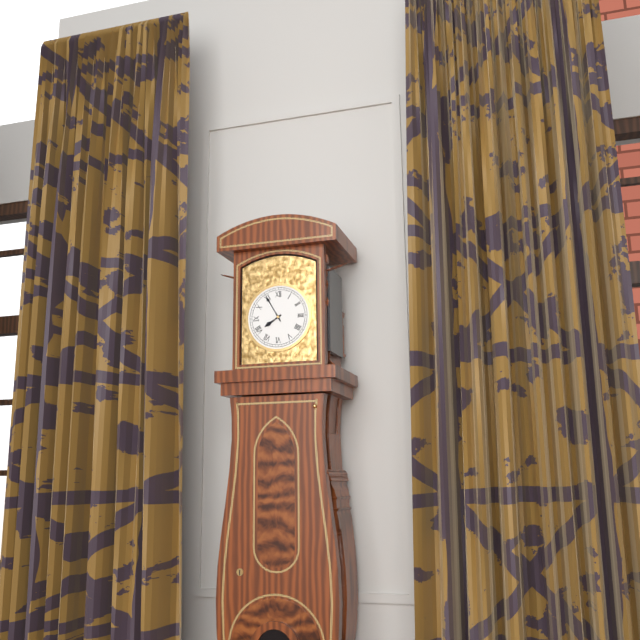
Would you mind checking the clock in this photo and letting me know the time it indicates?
7:55
